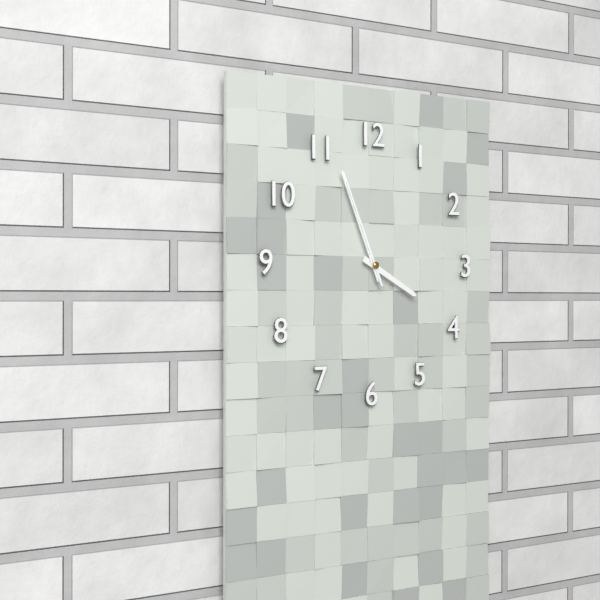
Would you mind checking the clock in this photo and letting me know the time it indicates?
3:56:56
